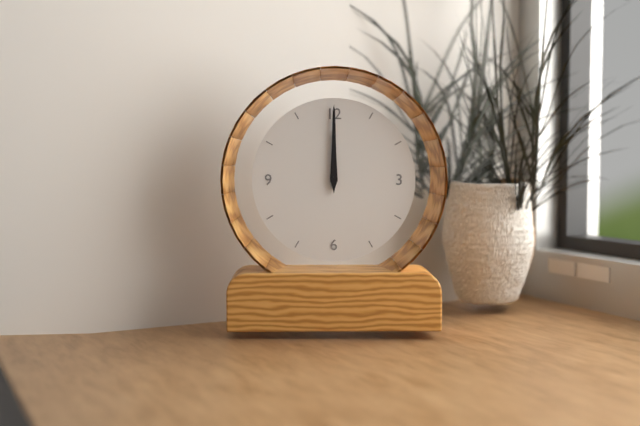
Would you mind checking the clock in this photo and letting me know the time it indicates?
12:00
